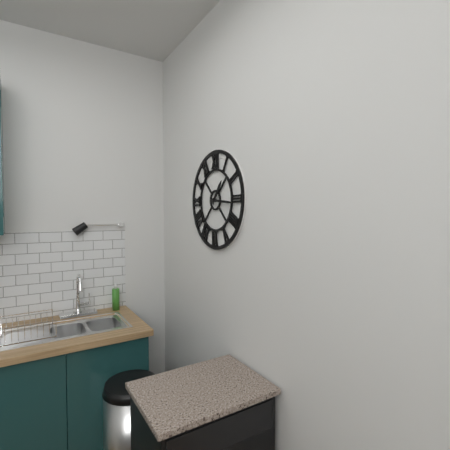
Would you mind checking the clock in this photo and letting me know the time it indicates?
1:16
